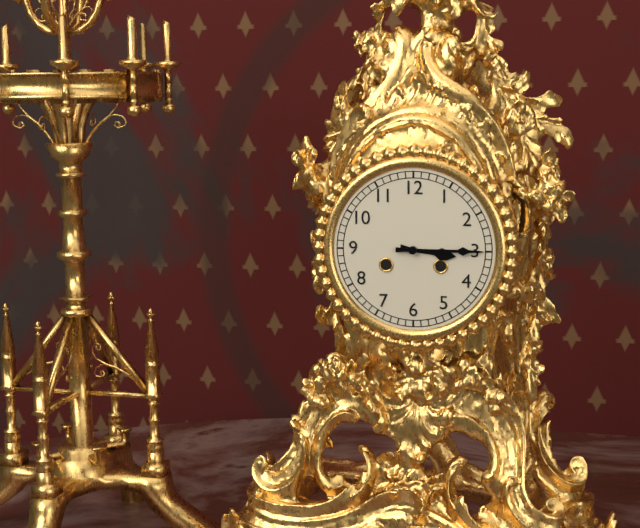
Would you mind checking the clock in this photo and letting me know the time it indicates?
3:15
